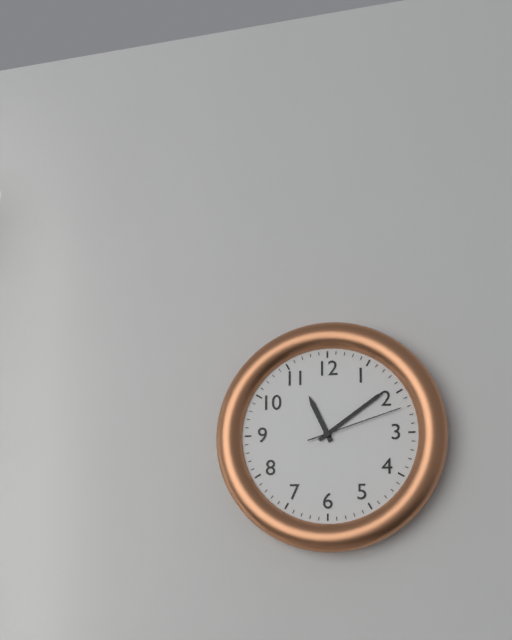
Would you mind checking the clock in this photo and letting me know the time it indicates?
11:09:12
